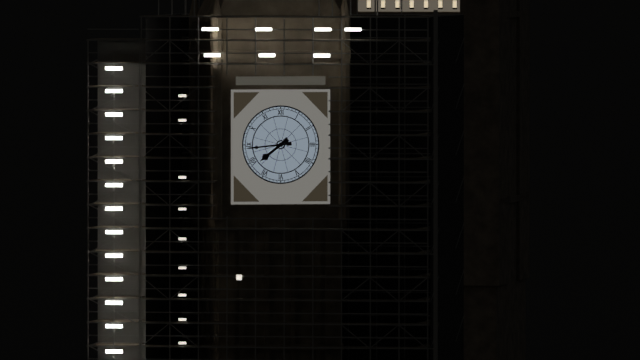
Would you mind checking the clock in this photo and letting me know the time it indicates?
7:44
